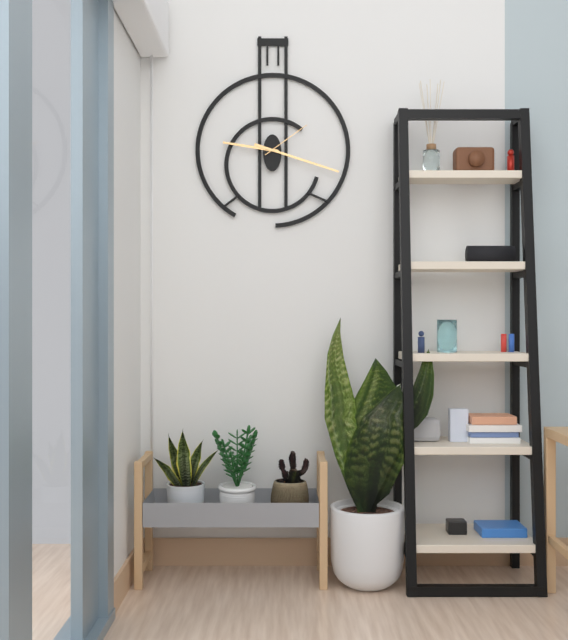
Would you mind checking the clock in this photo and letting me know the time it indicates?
9:18:09
